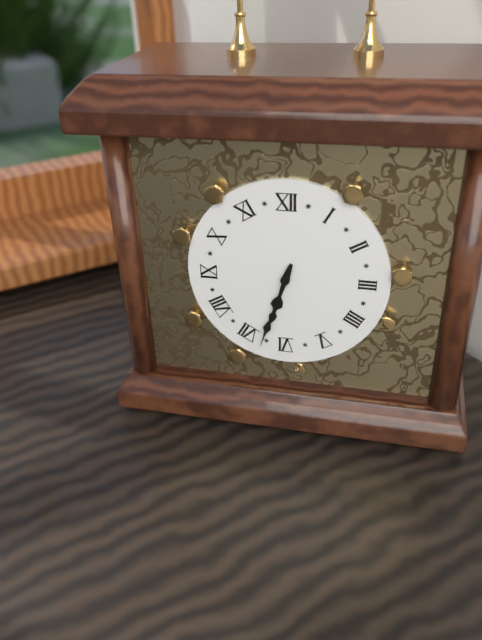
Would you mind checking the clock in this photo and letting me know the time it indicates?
6:33
